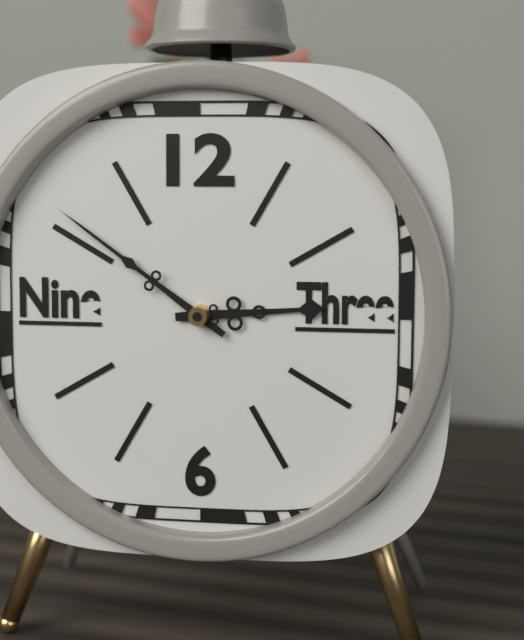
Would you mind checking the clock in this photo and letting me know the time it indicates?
2:51
